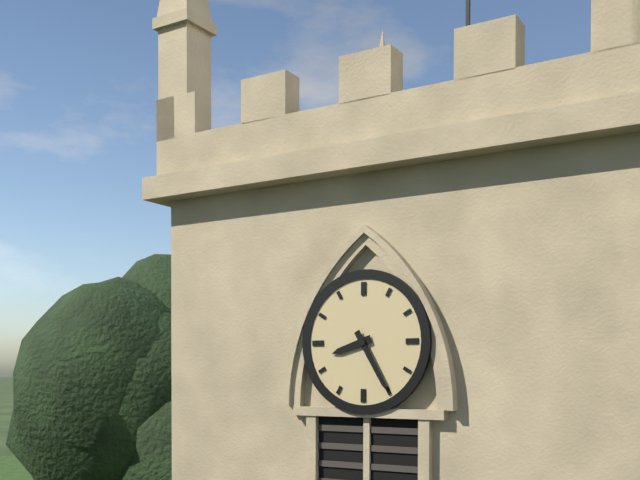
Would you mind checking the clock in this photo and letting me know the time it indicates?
8:25
